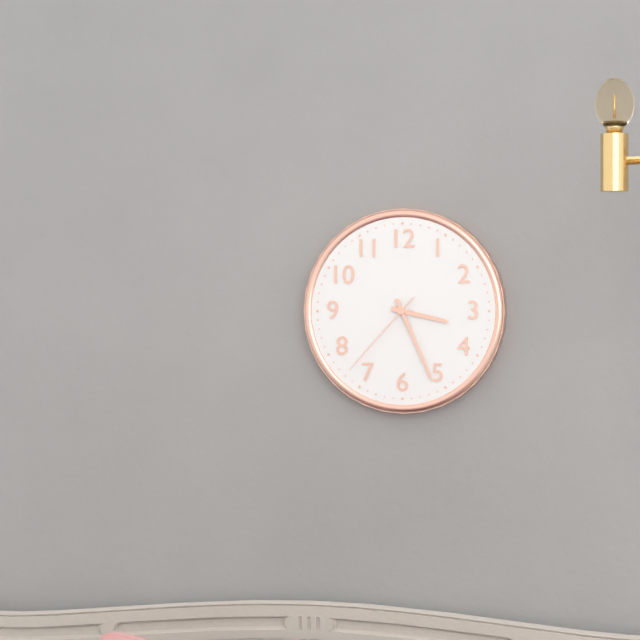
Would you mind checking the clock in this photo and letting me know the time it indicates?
3:26:37
